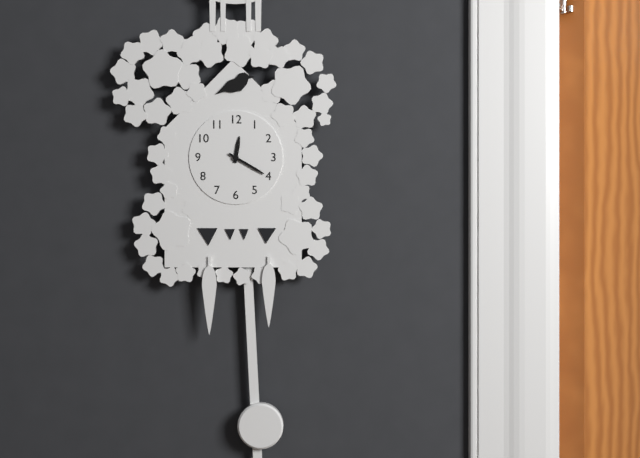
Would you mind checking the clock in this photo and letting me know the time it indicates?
12:20
